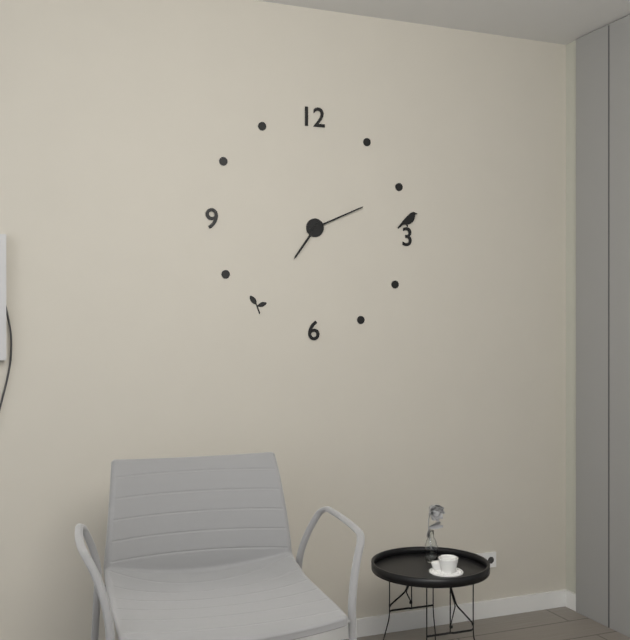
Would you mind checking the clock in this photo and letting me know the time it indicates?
7:11
